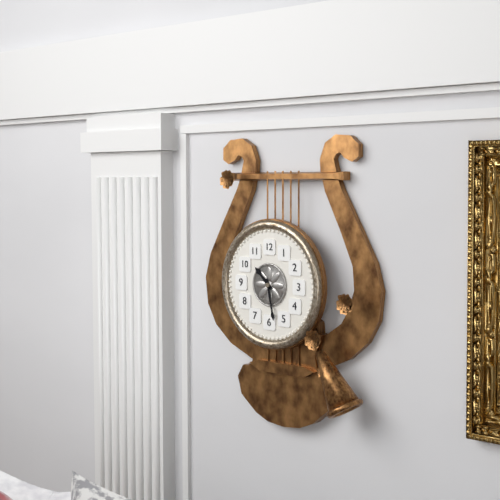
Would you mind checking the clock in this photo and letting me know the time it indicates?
10:28
